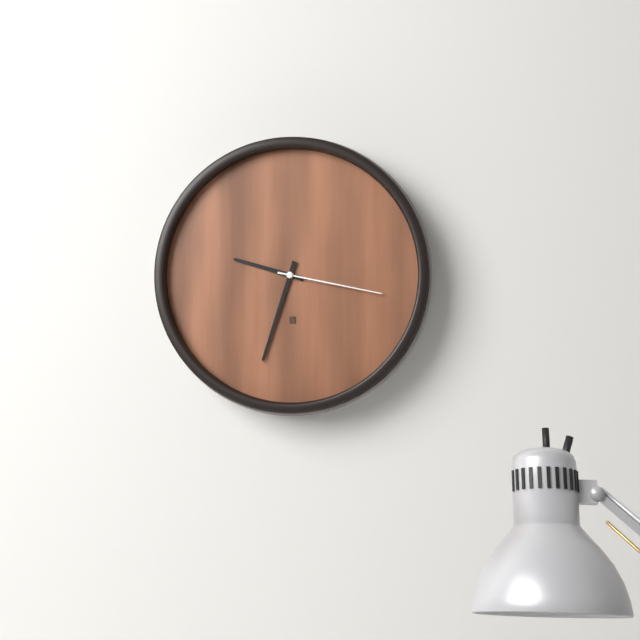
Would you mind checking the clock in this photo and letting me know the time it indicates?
9:33:17
